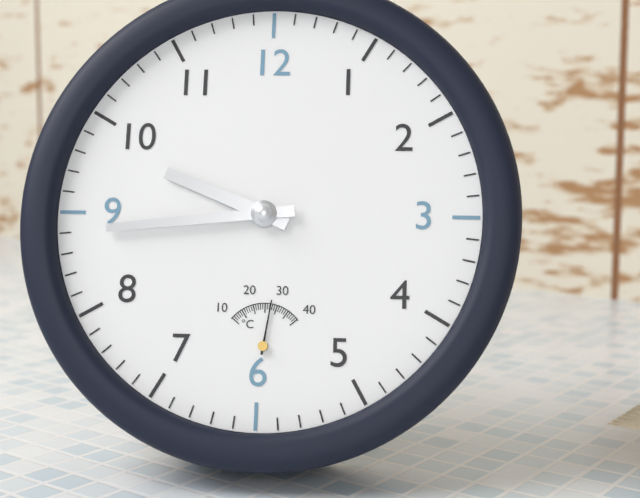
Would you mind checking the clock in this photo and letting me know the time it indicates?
9:44
